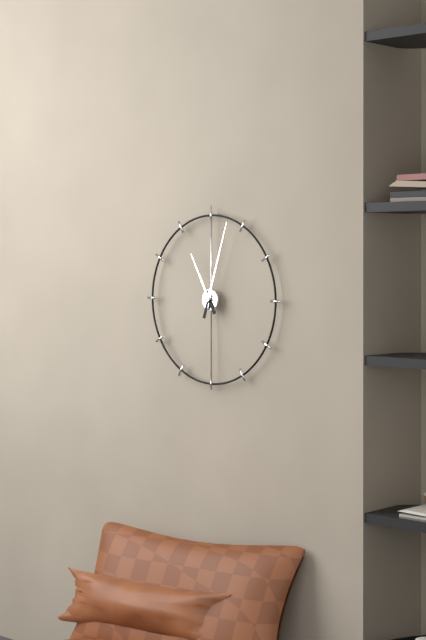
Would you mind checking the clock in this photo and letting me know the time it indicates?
11:03
